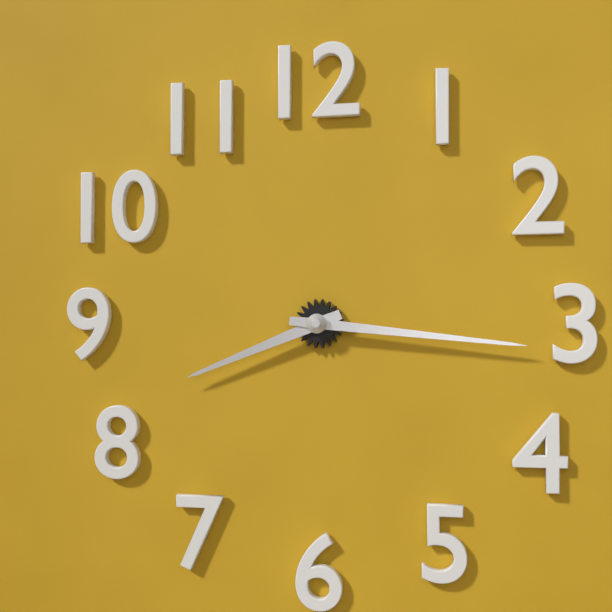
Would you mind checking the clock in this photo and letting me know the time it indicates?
8:16
